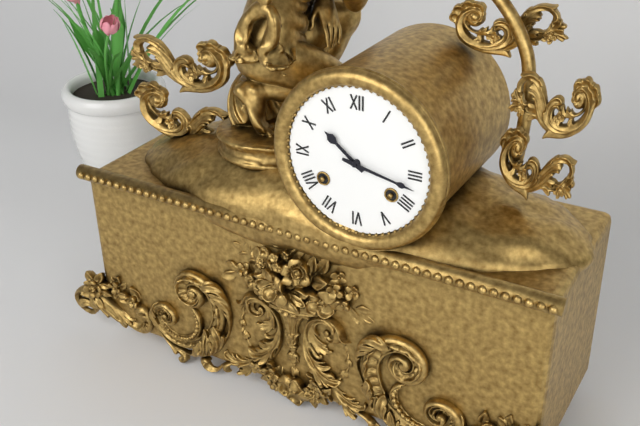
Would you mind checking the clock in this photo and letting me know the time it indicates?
10:17
